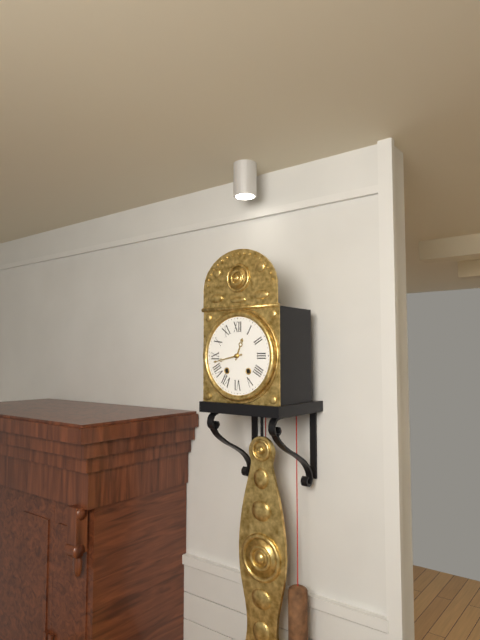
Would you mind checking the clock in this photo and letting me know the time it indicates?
12:43
